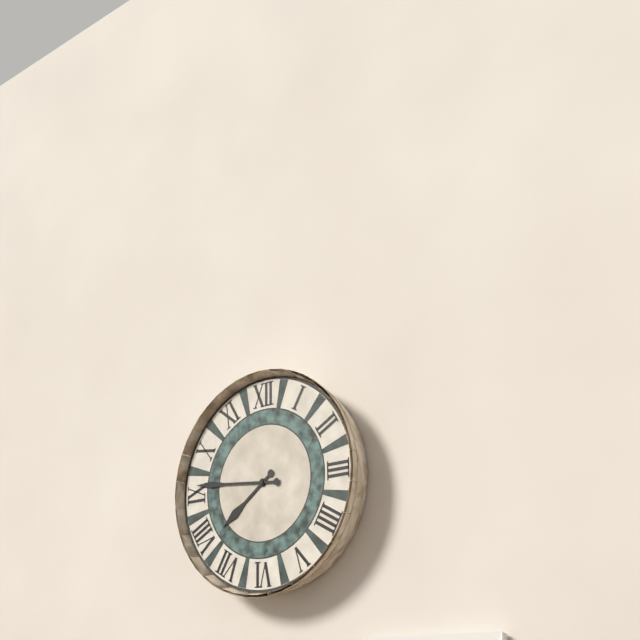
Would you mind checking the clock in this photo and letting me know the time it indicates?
7:46
